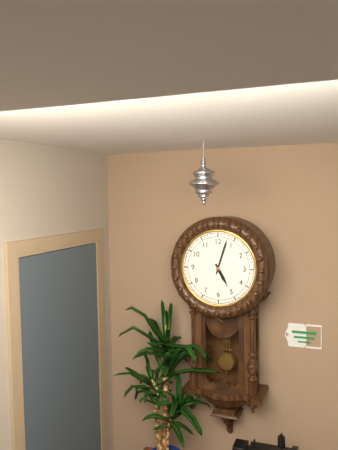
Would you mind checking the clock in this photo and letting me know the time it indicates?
5:03
